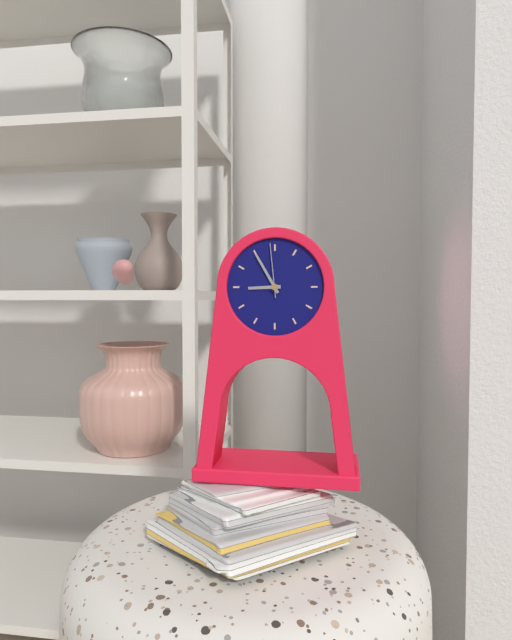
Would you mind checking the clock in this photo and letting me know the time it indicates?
8:55:59
